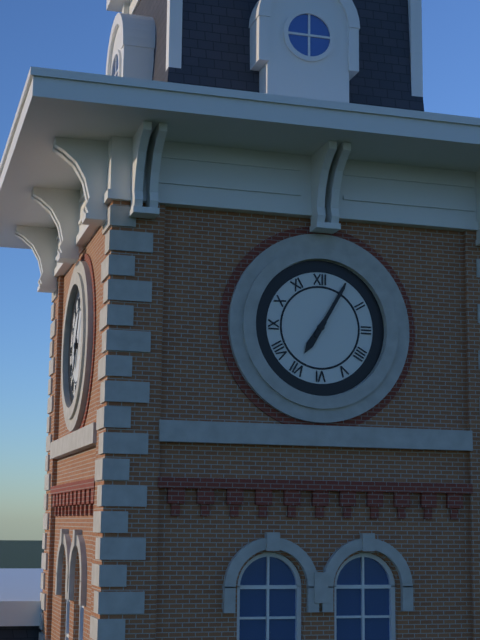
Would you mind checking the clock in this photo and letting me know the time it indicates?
7:05
